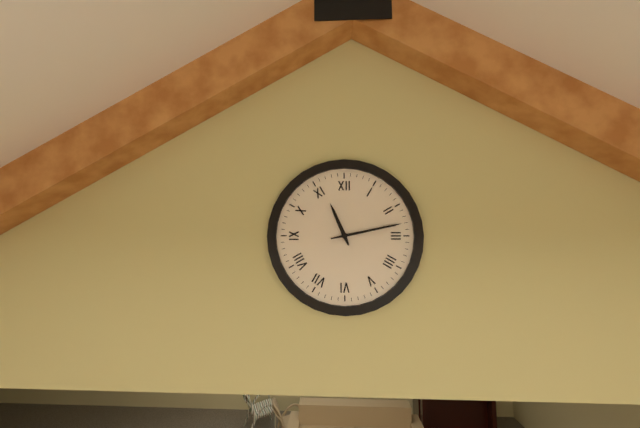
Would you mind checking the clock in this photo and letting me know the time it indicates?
11:13
